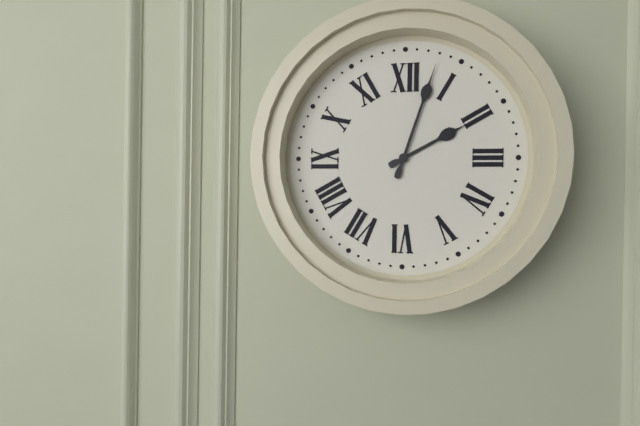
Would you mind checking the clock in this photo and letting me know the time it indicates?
2:03
